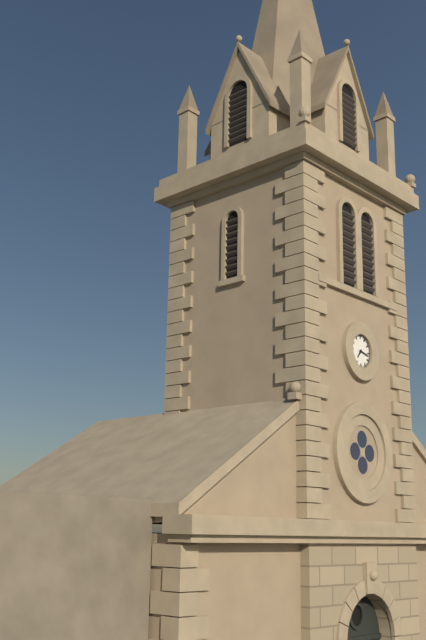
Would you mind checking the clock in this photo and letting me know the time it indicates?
7:17
